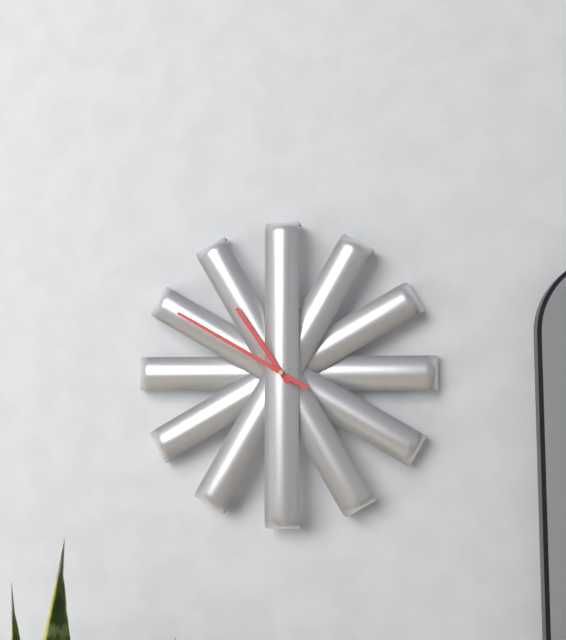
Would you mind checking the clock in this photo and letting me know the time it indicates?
10:50
